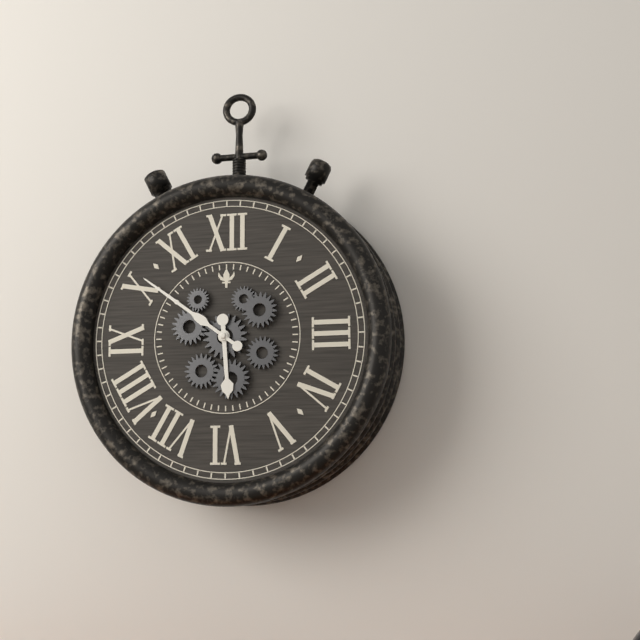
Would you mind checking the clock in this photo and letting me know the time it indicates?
5:51
